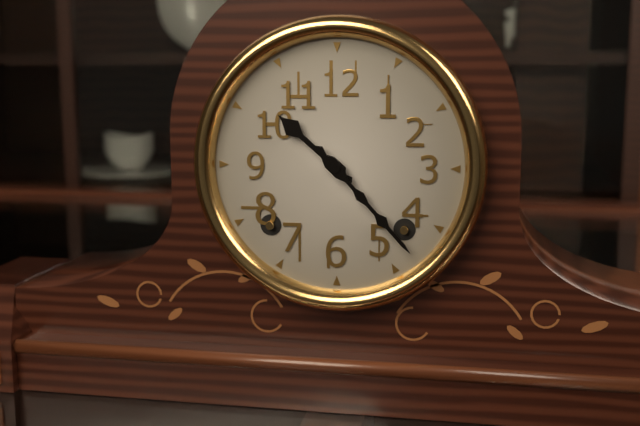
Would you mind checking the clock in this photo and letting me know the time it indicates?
10:23
